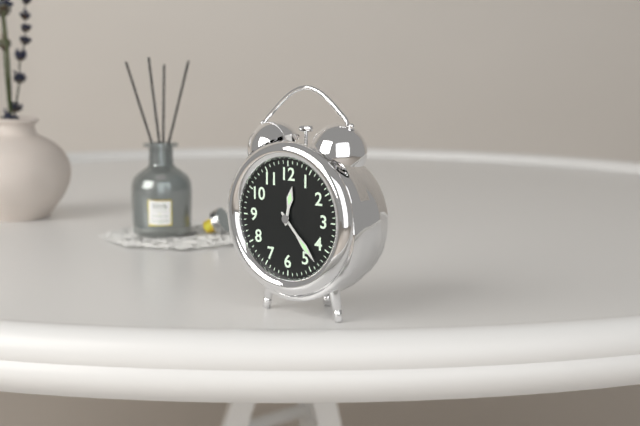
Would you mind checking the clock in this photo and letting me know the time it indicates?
12:23
